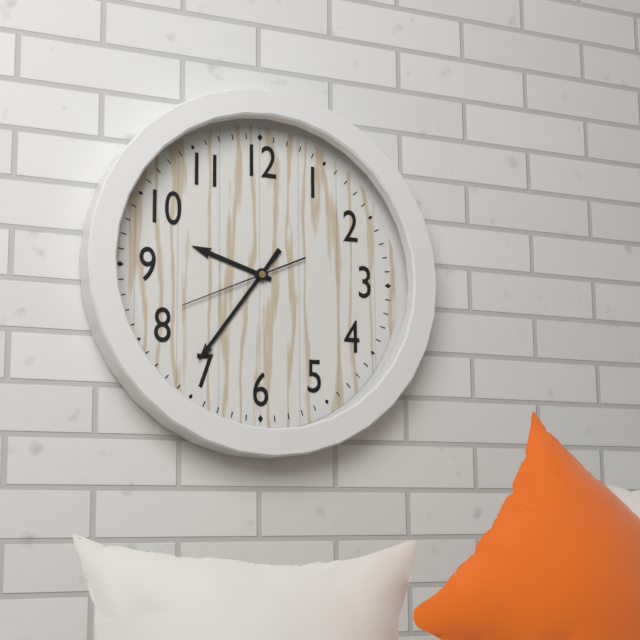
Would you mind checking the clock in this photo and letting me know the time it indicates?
9:36:41
